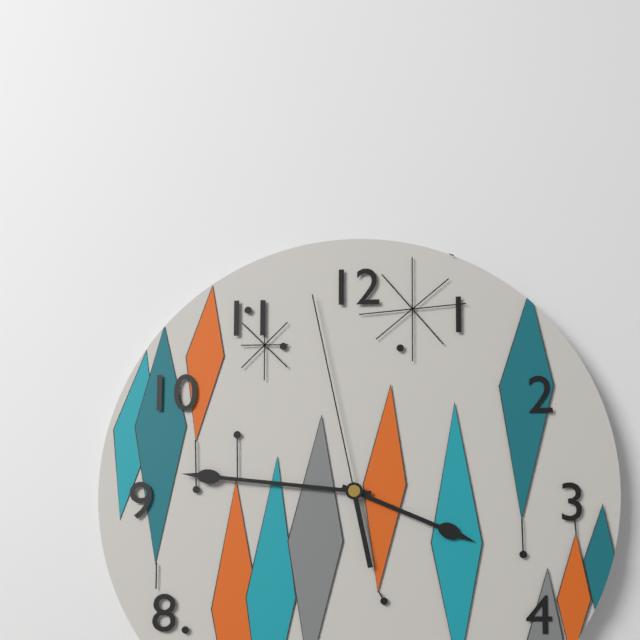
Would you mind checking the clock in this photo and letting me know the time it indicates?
3:46:58
